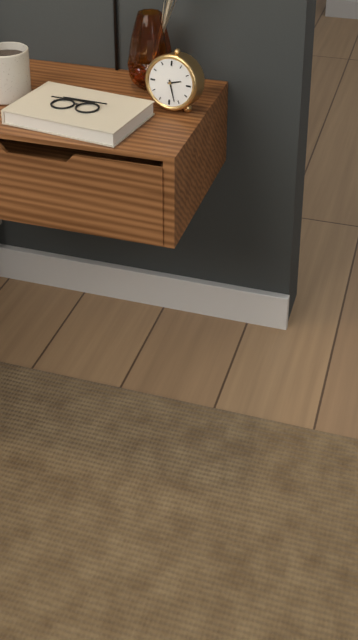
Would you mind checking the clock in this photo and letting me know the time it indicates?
2:27
